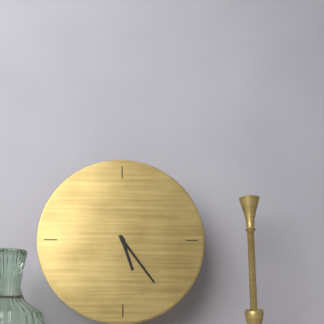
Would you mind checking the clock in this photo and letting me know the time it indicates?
5:24
